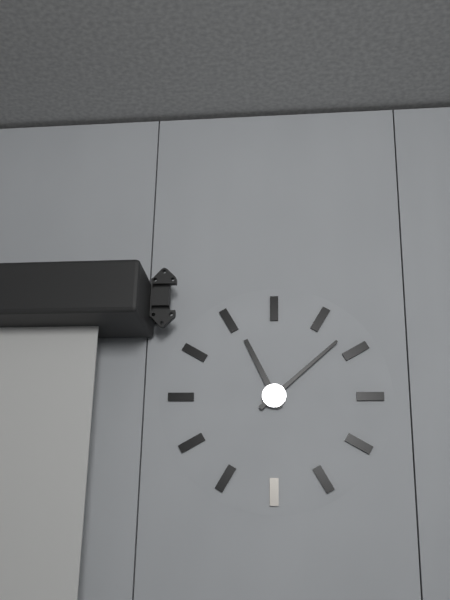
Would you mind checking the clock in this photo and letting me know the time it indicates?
11:08
